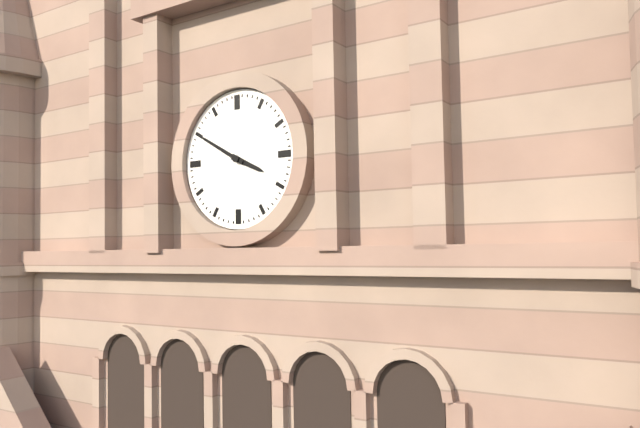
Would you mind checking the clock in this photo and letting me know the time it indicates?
3:50
